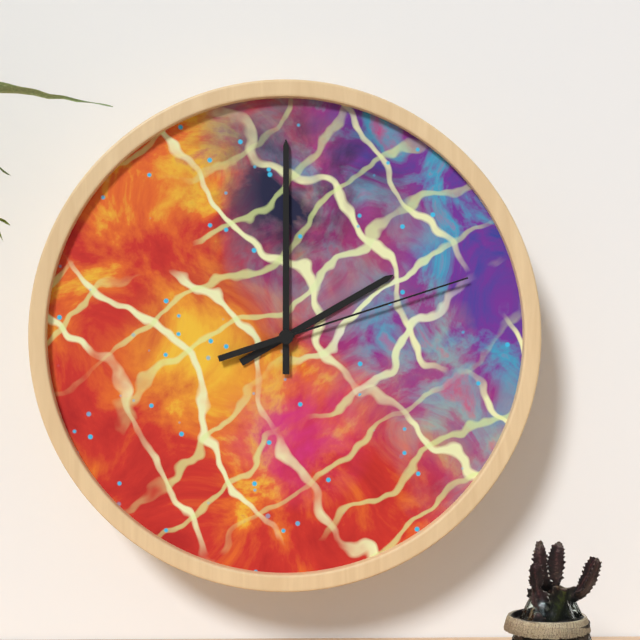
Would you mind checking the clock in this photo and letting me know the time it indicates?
2:00:12
